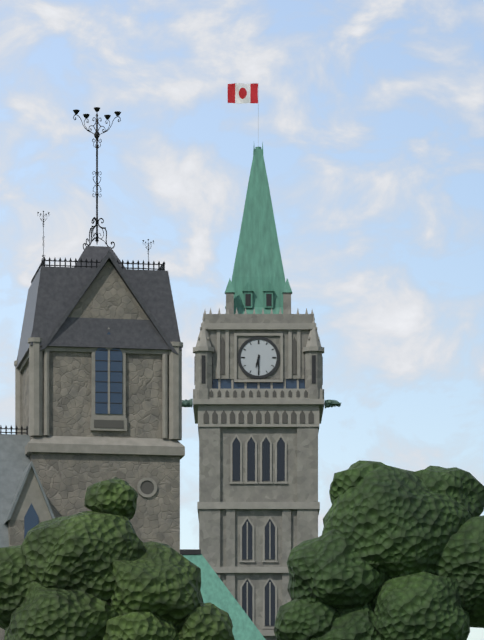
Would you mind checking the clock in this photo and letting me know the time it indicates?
6:30
